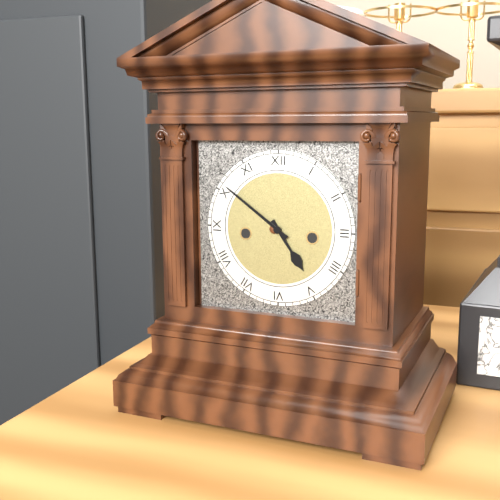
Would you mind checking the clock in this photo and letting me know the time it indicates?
4:51
